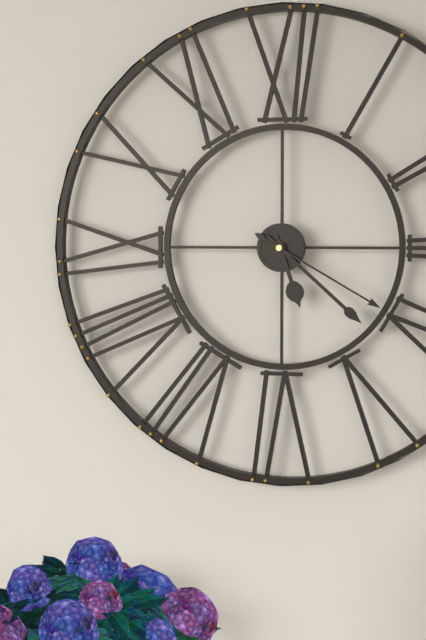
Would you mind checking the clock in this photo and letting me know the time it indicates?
5:22:20
